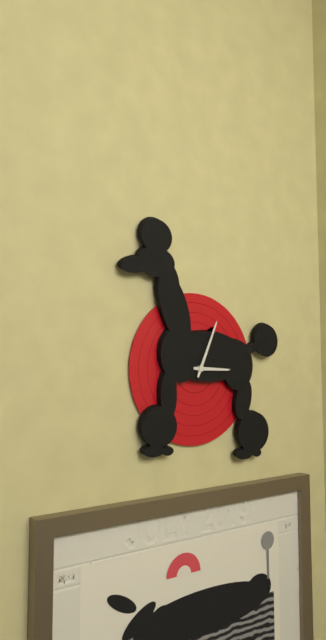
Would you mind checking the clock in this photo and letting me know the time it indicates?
3:04
